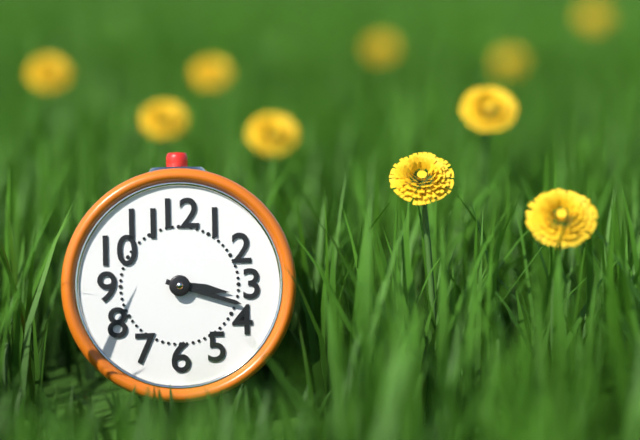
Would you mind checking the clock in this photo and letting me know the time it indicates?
3:18
